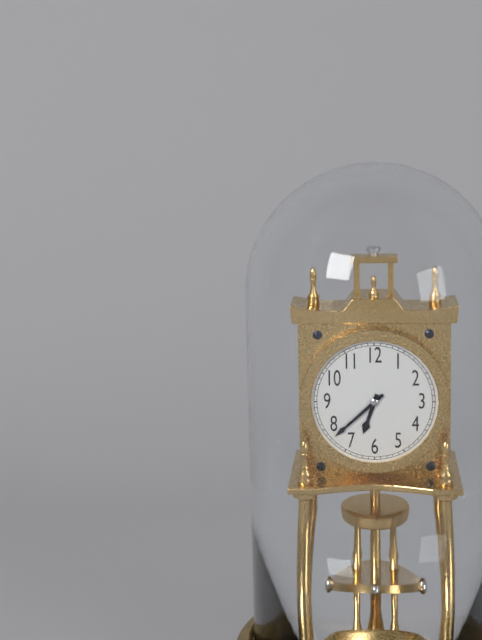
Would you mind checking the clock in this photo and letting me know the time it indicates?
6:38
